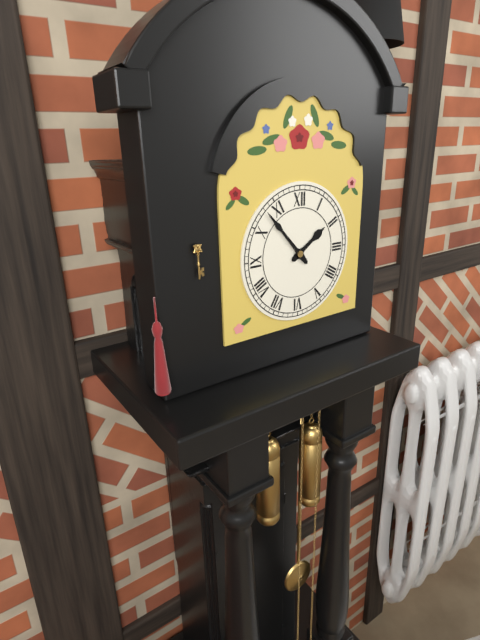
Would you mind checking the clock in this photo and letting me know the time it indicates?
1:53
